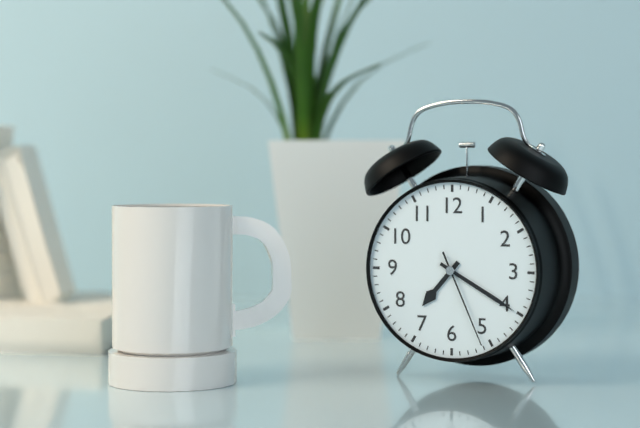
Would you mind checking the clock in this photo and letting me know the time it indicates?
7:20:26
